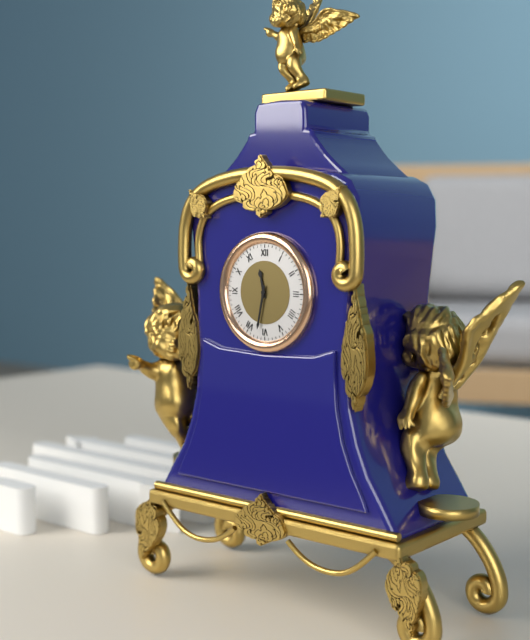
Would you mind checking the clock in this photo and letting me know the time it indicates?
11:32
